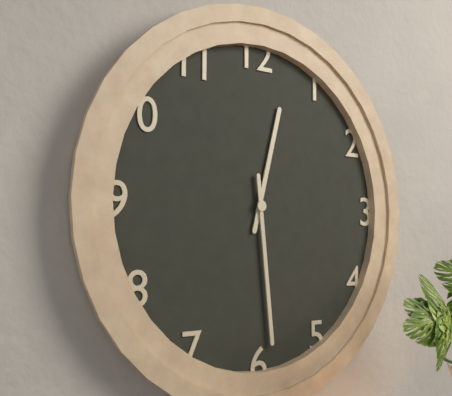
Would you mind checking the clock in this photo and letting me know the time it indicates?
12:29
